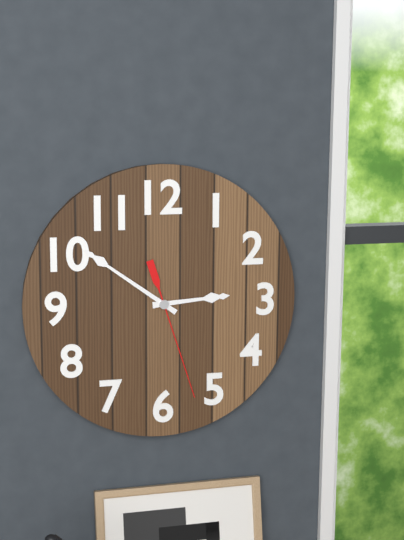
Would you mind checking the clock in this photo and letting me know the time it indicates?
2:51:27
